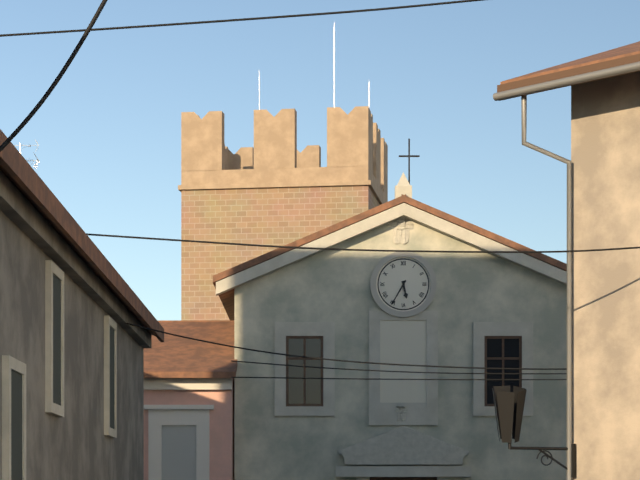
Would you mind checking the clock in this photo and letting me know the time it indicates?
5:35
